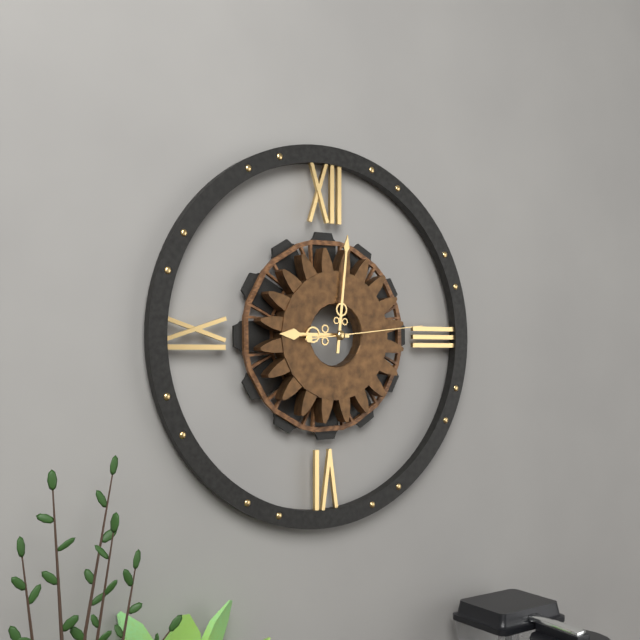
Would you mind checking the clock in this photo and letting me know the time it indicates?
9:01:14
